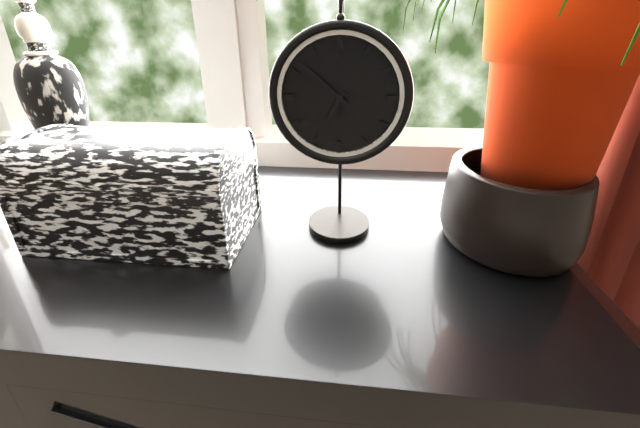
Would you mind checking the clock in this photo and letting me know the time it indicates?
6:52
